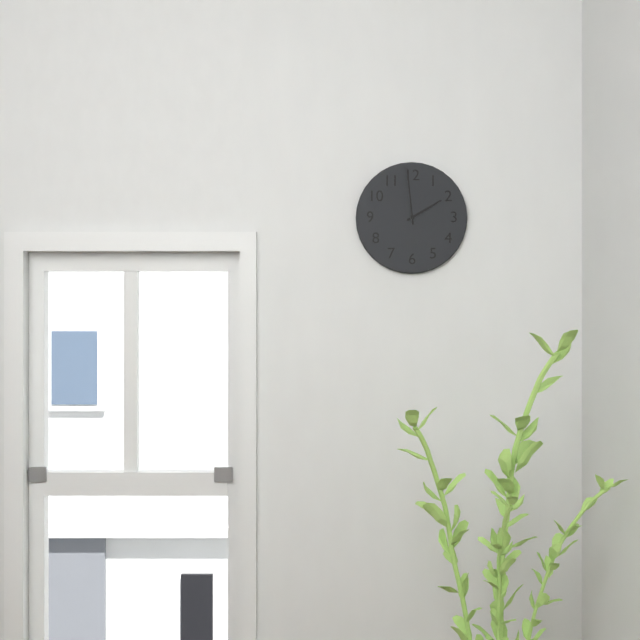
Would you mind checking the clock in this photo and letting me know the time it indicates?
1:59
